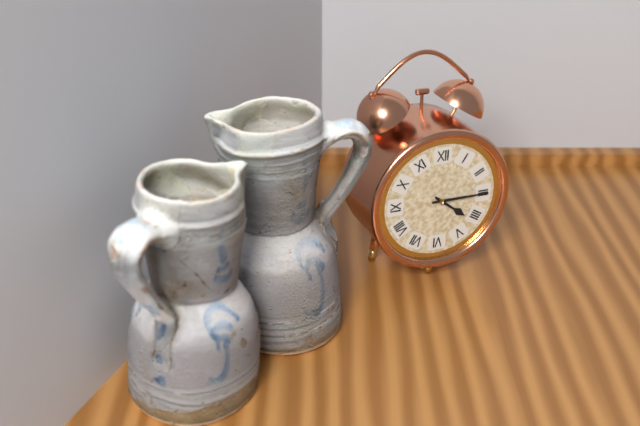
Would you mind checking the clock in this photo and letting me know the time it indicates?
4:15
